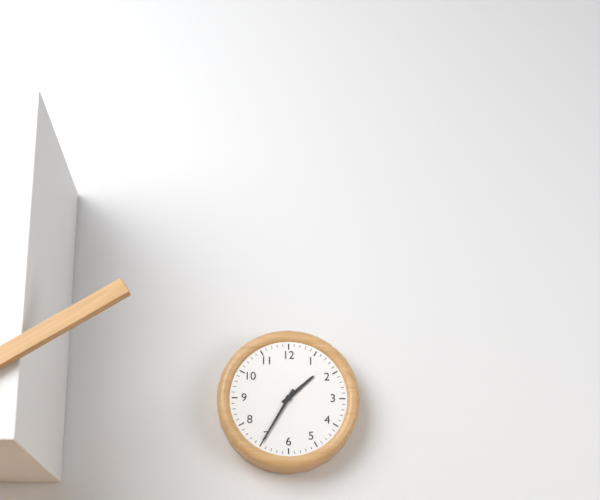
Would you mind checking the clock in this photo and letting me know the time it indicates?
1:35
